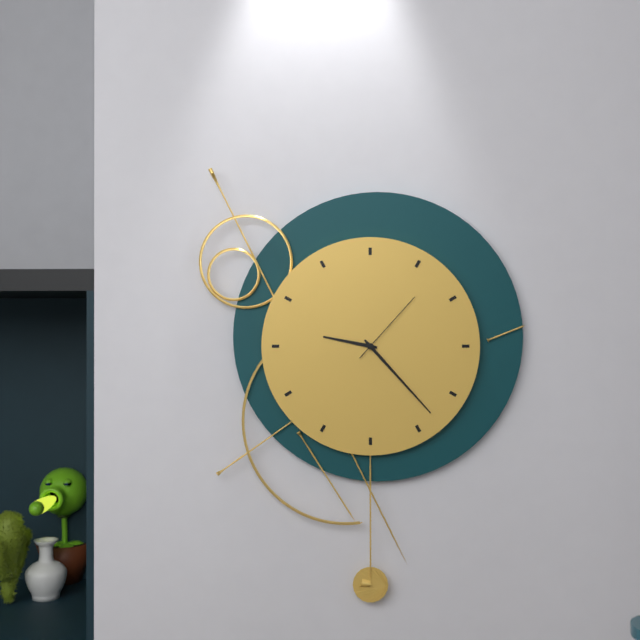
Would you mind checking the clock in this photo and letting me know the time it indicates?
9:23:07
